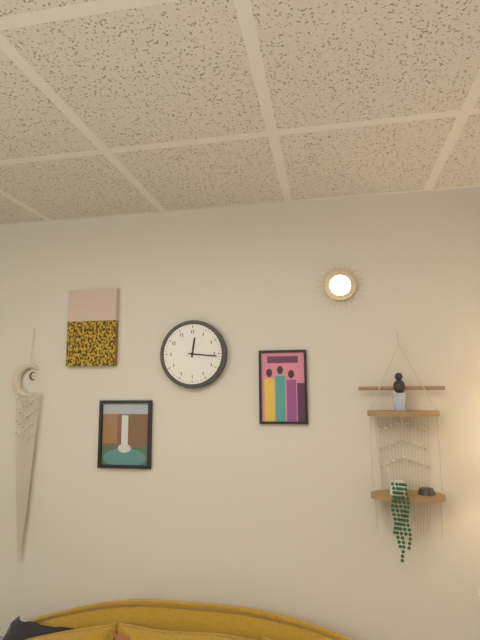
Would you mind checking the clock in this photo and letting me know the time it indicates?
12:16
